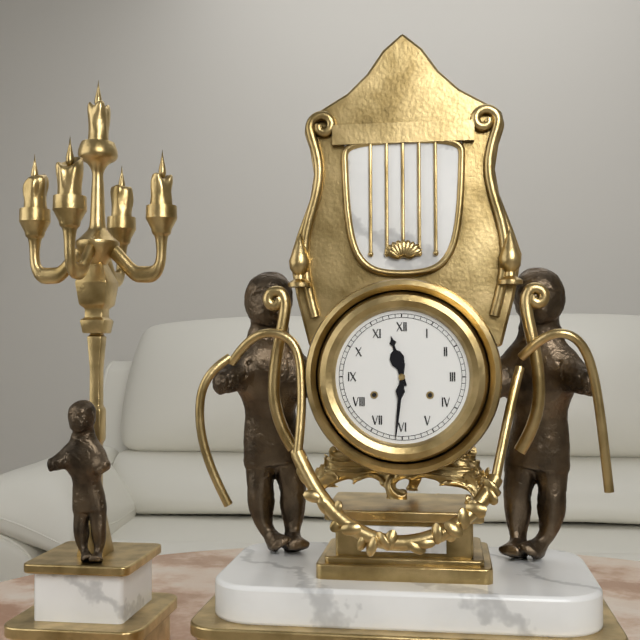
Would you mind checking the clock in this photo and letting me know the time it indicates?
11:31
